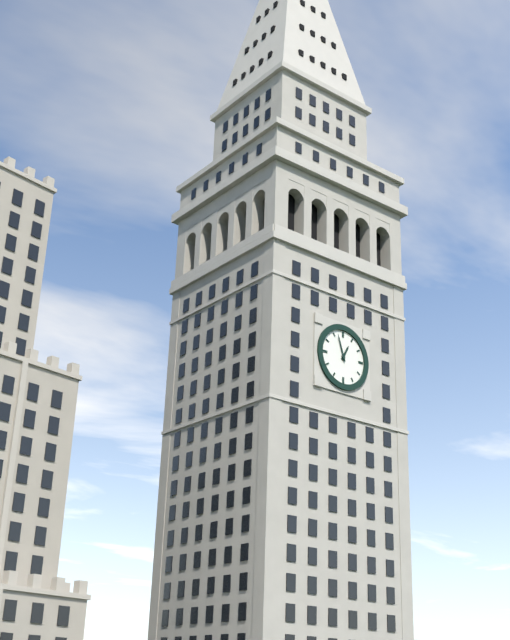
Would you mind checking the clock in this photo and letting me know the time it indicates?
12:57
